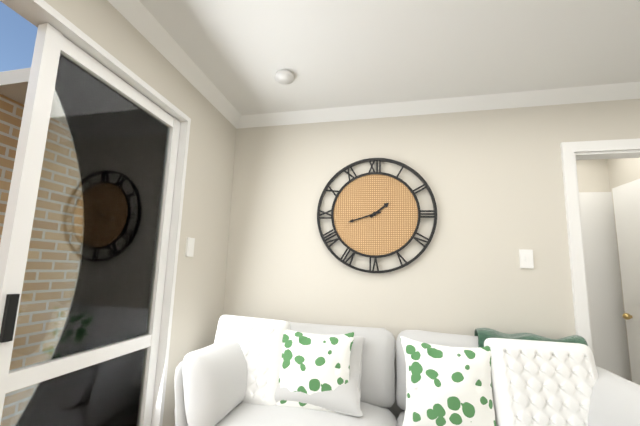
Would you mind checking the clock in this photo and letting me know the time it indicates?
1:42
